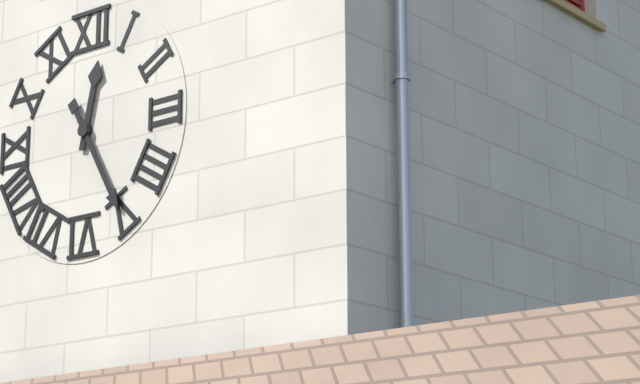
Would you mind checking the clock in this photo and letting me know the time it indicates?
12:25
